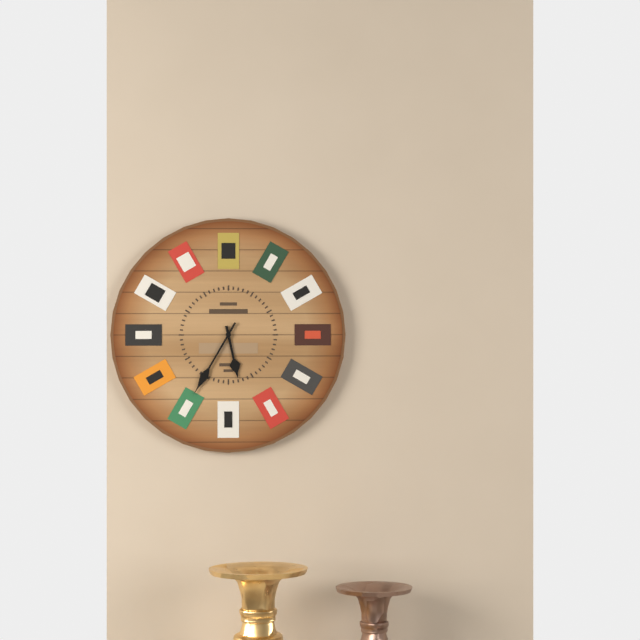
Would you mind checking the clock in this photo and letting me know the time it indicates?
5:35
